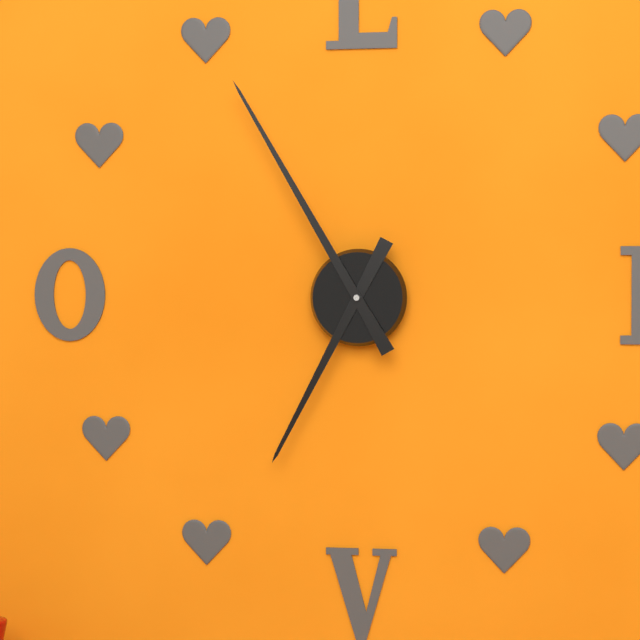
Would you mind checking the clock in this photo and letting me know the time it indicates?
6:55
